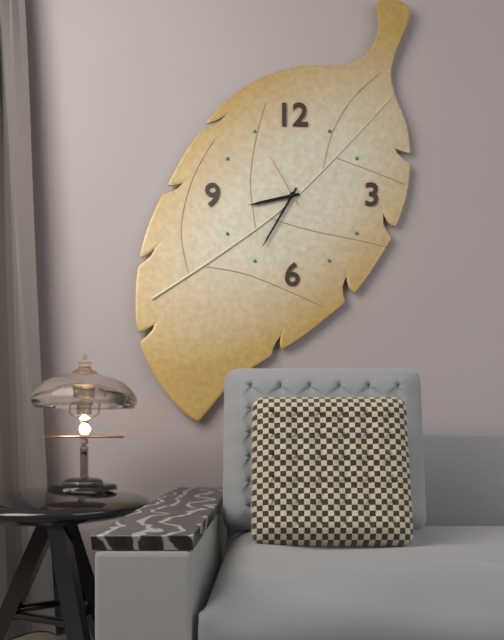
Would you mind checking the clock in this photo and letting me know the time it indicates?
8:35:55
